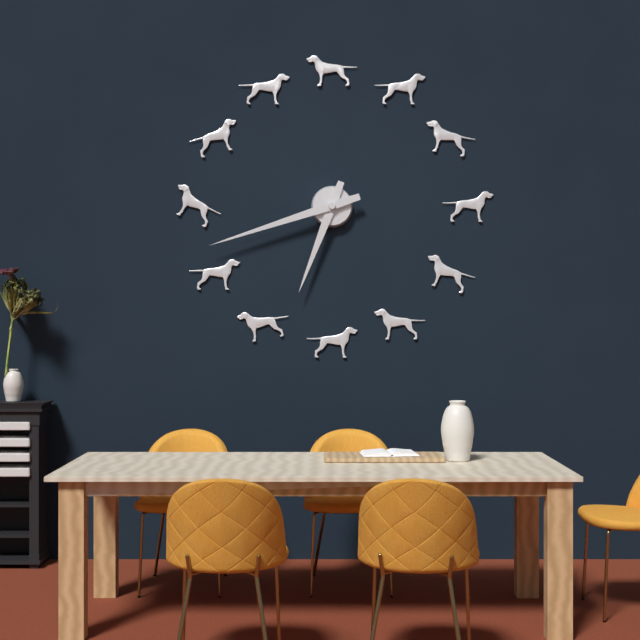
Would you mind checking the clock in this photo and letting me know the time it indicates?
6:42
